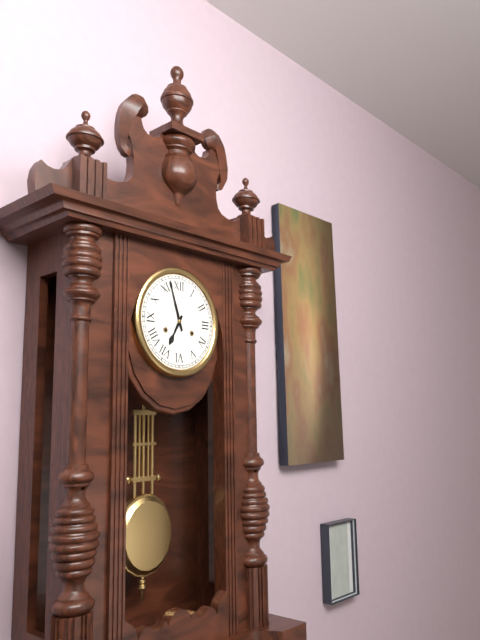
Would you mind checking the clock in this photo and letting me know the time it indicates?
6:57
